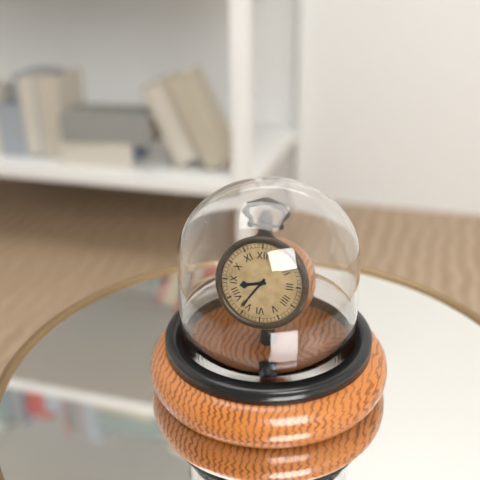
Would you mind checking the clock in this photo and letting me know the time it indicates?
8:36
